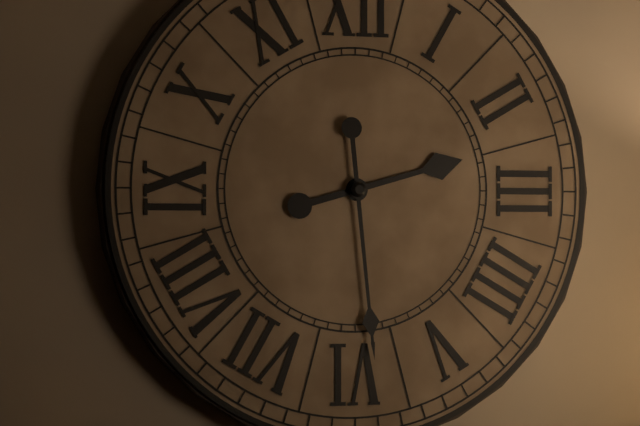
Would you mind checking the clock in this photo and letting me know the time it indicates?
2:29
